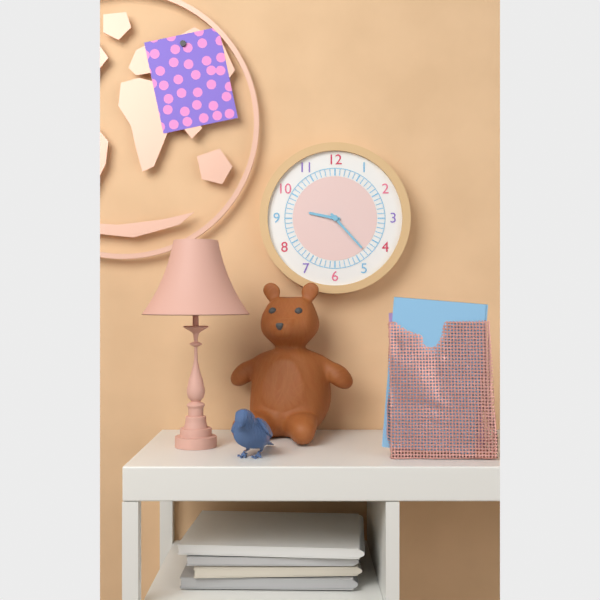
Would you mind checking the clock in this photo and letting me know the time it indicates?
9:23
